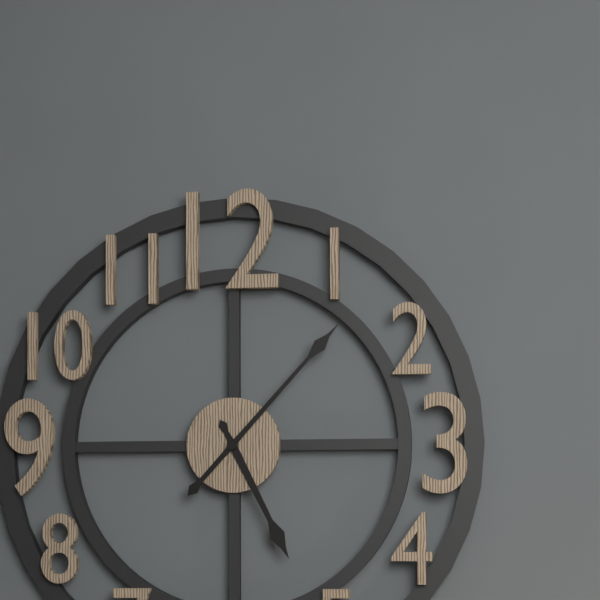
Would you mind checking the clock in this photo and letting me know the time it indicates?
5:07
